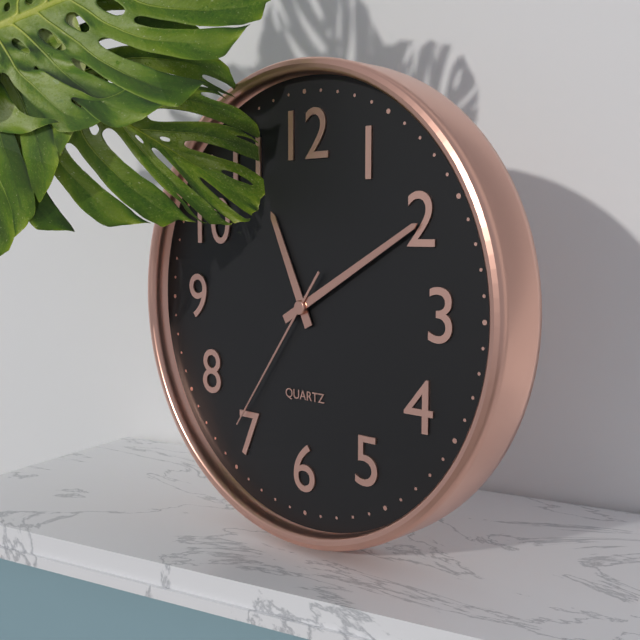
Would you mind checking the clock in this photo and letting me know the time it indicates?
11:10:36
